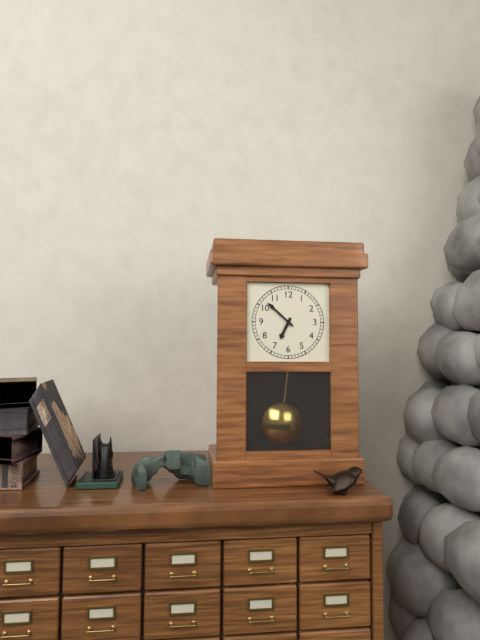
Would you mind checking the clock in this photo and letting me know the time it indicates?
6:52
